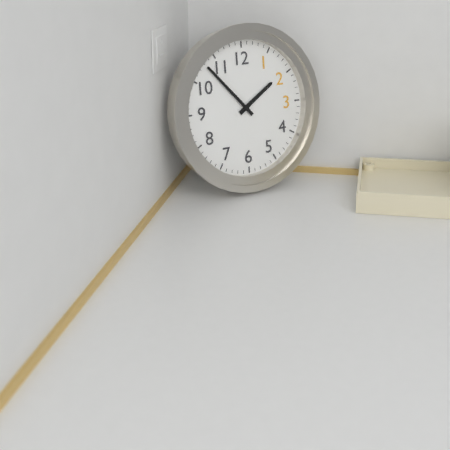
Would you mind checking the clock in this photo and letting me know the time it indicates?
1:53
